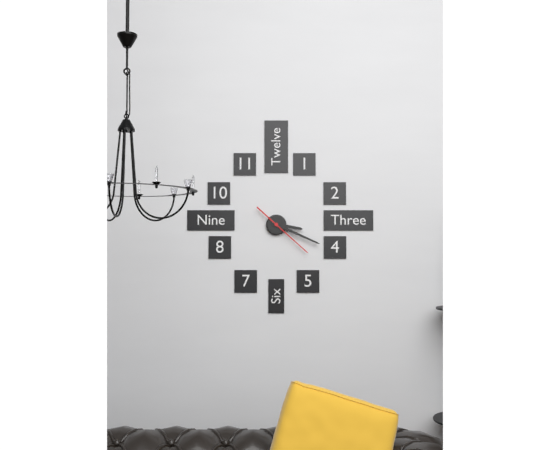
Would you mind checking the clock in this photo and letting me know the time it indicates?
3:19:22
